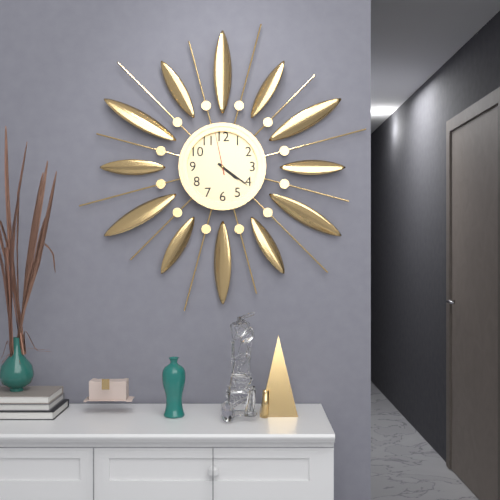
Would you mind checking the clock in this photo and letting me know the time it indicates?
4:21
